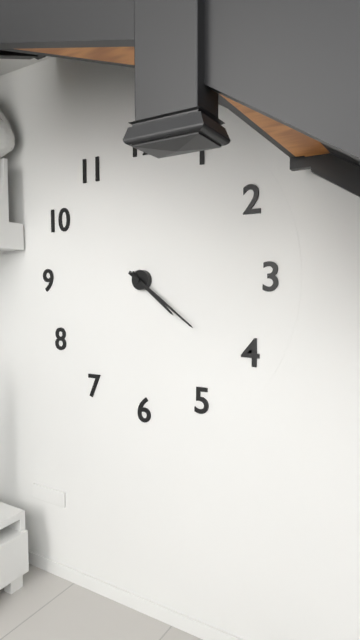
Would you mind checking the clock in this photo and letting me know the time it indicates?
4:21
